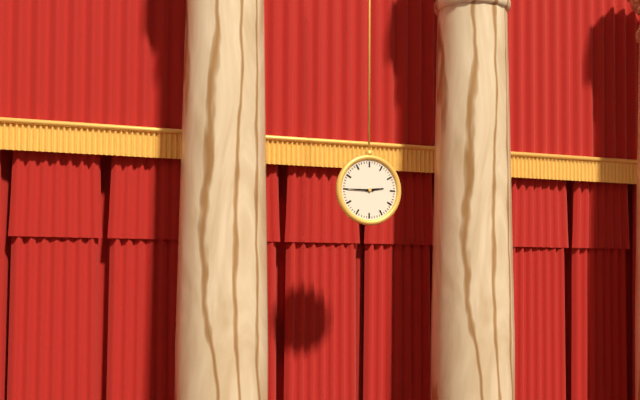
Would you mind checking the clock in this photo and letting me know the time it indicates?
2:45
